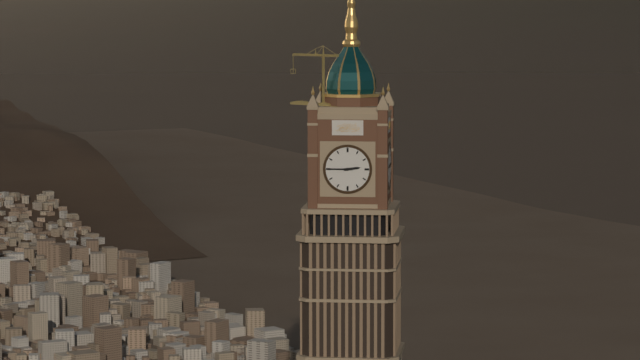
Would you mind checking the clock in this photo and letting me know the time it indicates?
2:45
